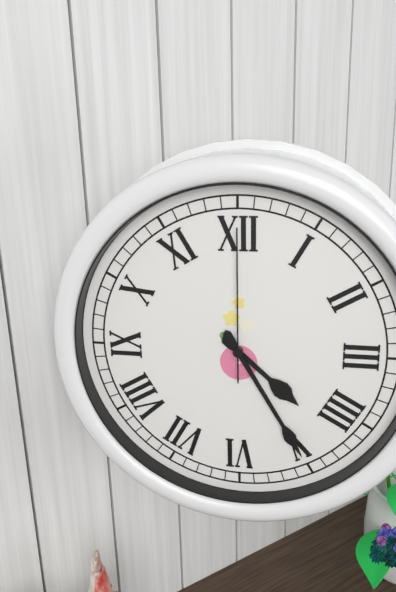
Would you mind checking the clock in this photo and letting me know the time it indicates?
4:25:00
